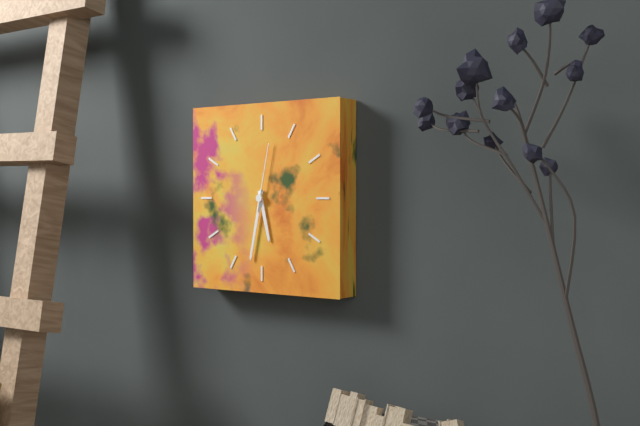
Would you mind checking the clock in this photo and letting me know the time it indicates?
5:32:02
